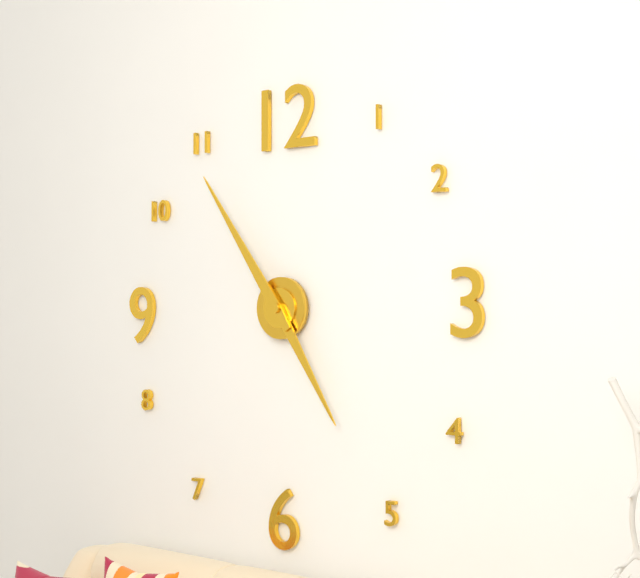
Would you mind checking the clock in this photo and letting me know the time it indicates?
4:54
